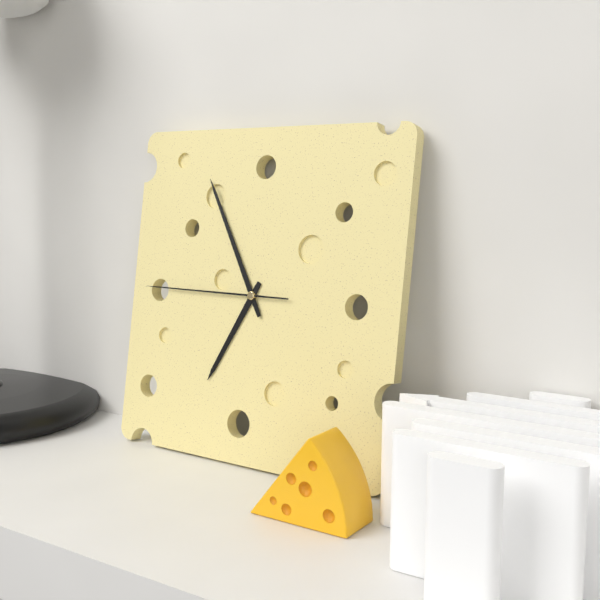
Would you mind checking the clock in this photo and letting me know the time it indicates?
6:55:45
